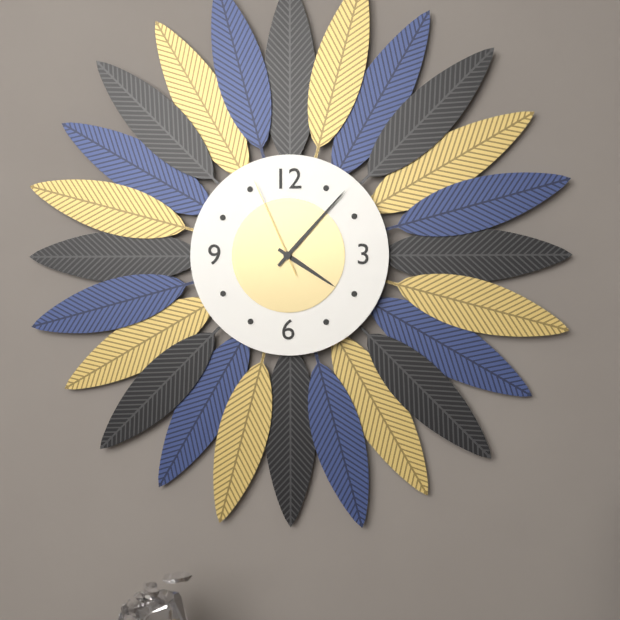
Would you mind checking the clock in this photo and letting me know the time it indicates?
4:07:56
